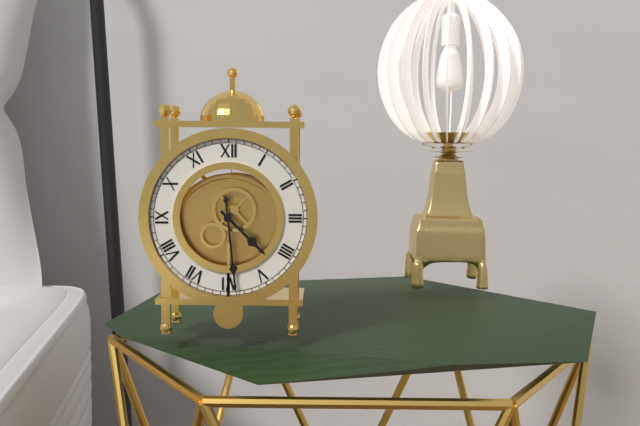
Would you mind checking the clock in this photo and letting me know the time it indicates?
4:29
